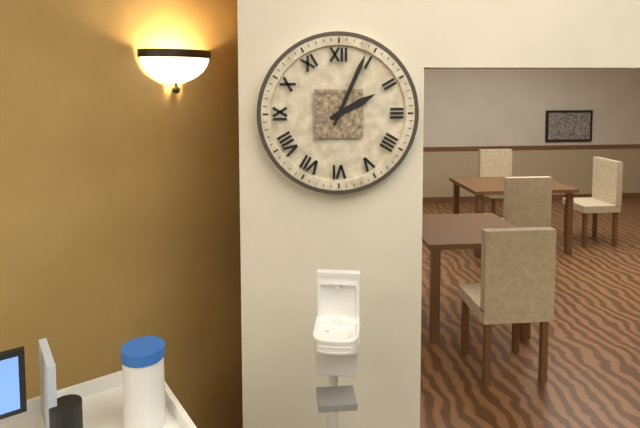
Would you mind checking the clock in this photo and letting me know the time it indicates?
2:04
